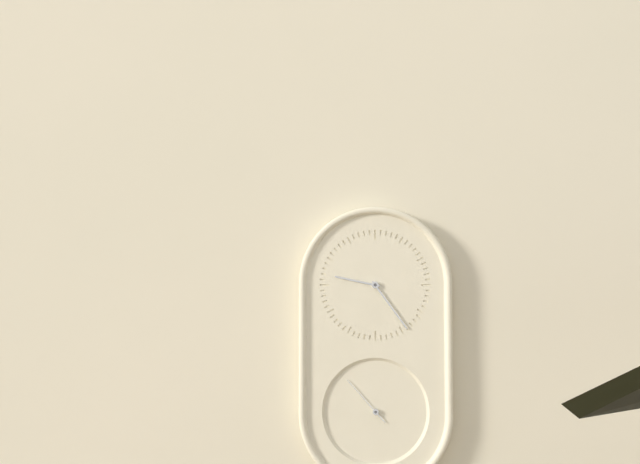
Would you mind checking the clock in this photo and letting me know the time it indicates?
9:24:53
